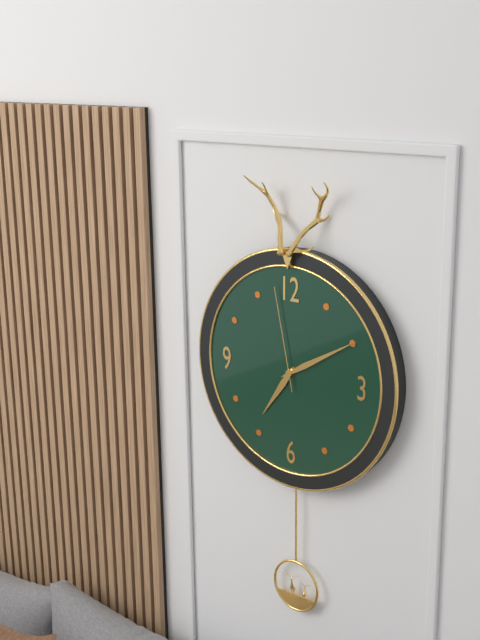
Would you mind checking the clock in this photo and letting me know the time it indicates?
7:10:58
